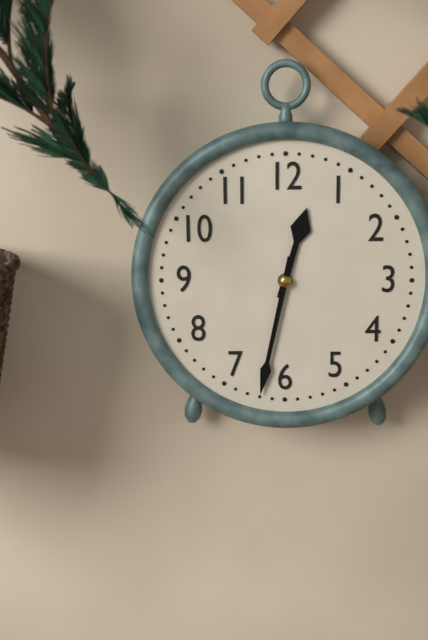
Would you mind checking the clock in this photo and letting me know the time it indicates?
12:32
